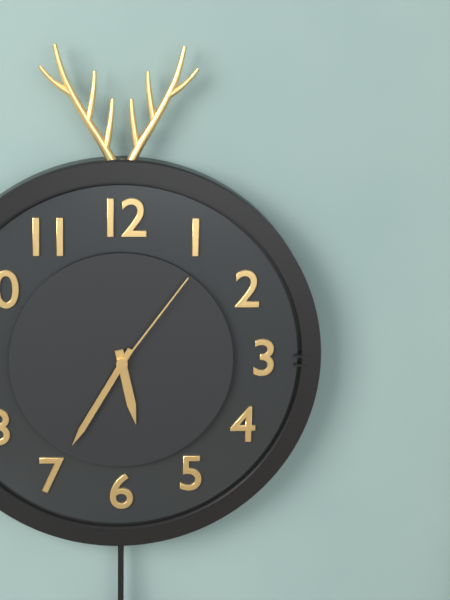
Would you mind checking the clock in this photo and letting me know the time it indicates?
5:35:06
